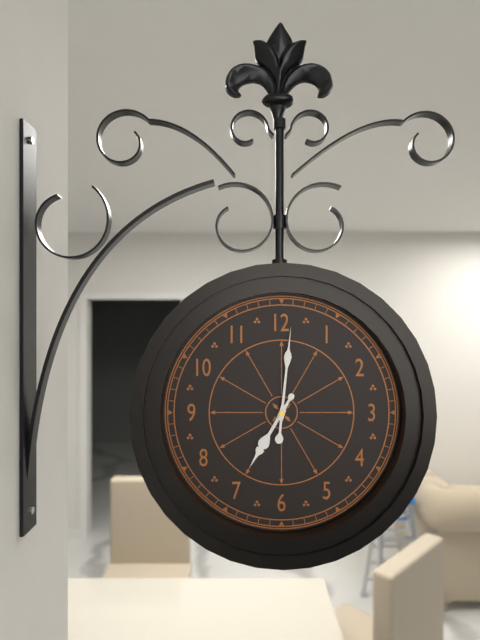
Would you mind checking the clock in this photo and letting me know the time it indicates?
7:01
